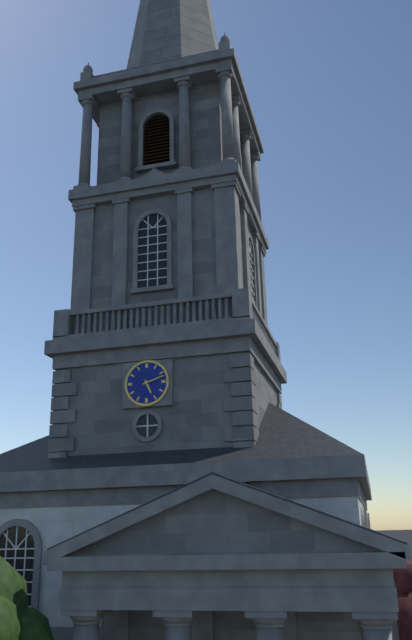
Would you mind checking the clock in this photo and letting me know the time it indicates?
5:12
